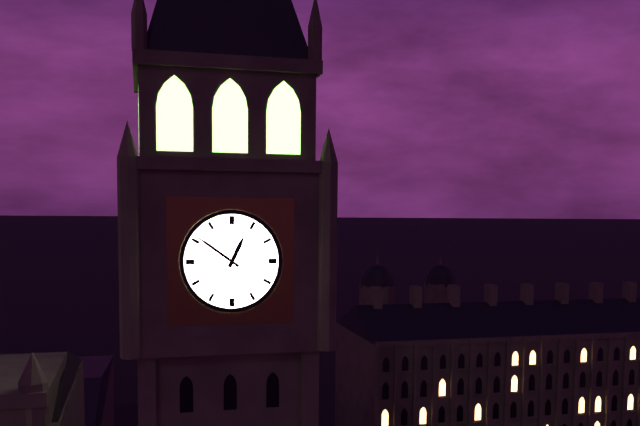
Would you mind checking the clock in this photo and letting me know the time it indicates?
12:51
